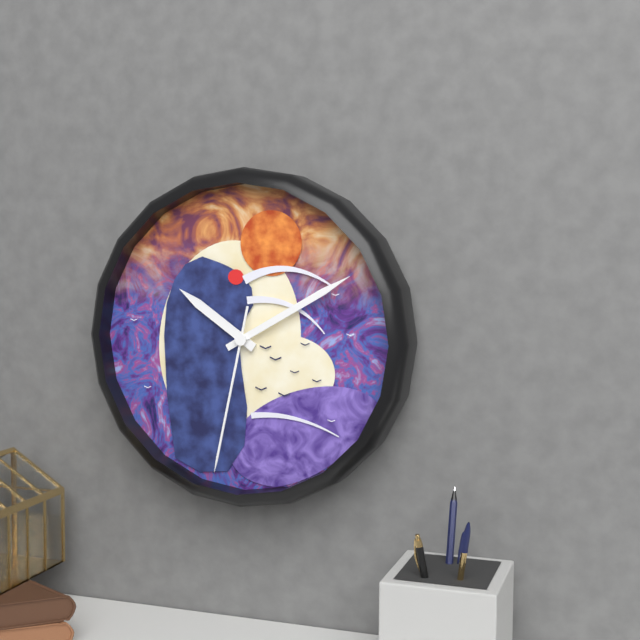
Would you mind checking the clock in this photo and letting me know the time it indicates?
10:10:32
